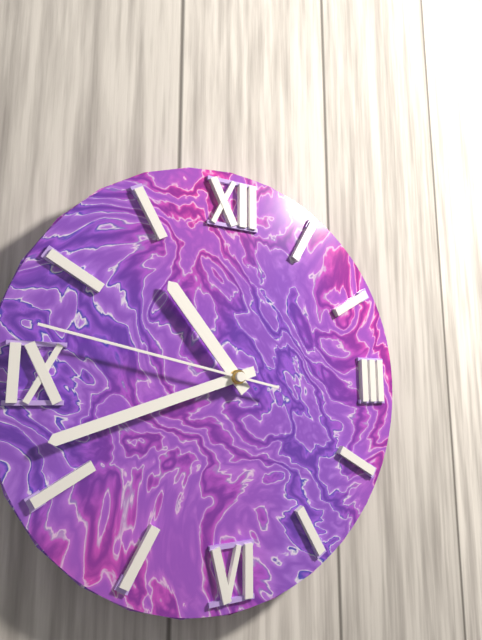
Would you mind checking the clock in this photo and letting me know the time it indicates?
10:42:47
